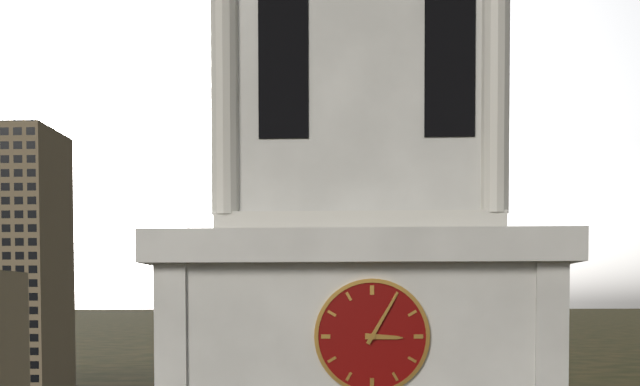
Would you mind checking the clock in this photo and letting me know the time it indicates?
3:05
